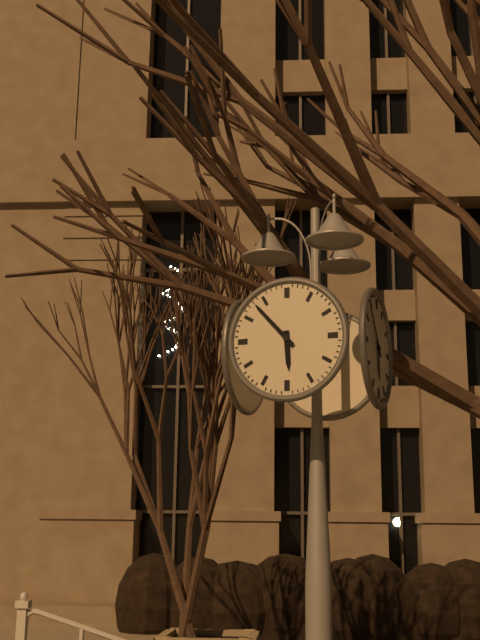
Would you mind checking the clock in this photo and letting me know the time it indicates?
5:53
